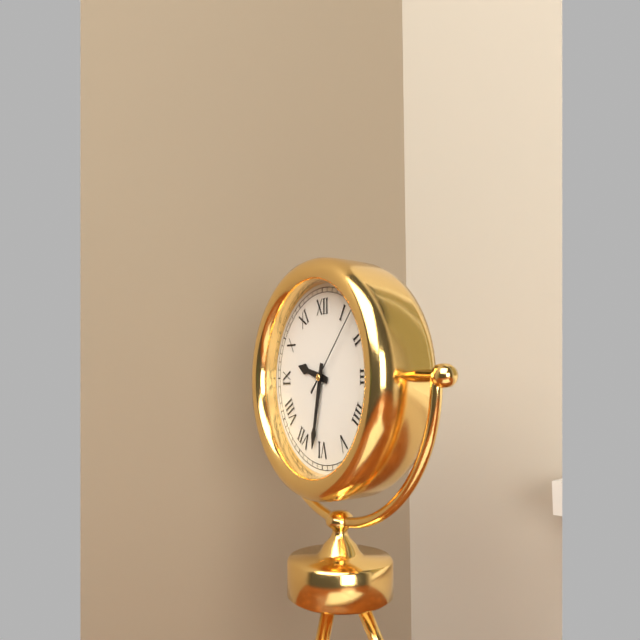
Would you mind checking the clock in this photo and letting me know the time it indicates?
9:32:07
